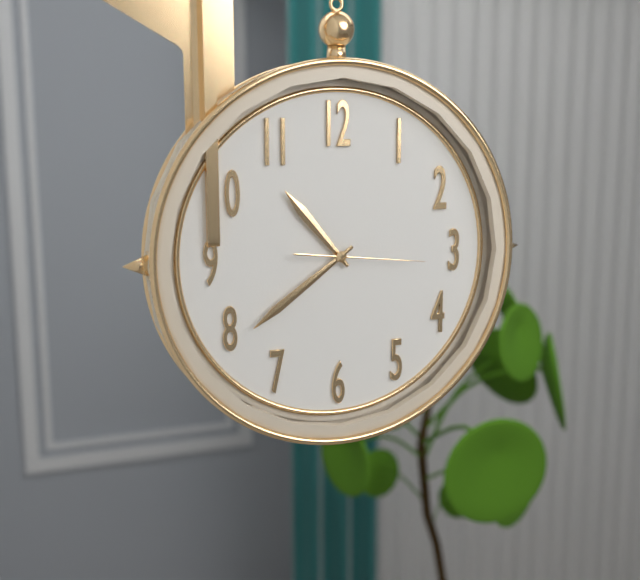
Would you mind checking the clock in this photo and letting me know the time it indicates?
10:39:16
